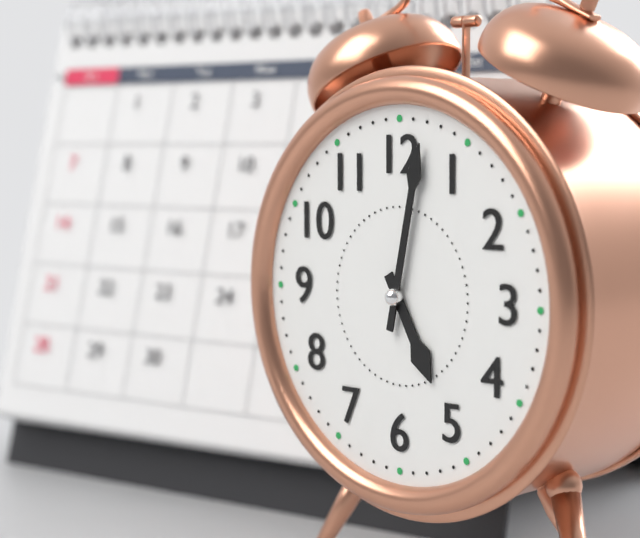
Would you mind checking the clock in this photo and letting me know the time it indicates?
5:02
